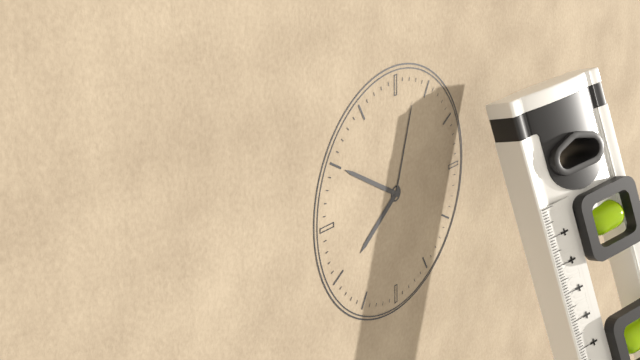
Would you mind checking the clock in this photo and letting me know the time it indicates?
7:50:03
